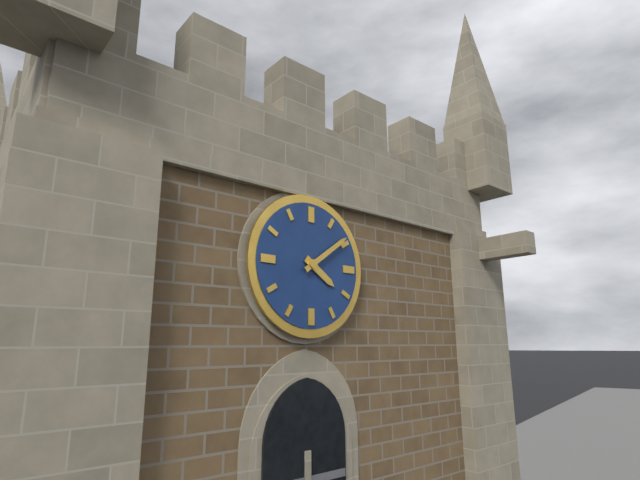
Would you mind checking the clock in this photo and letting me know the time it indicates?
4:09
